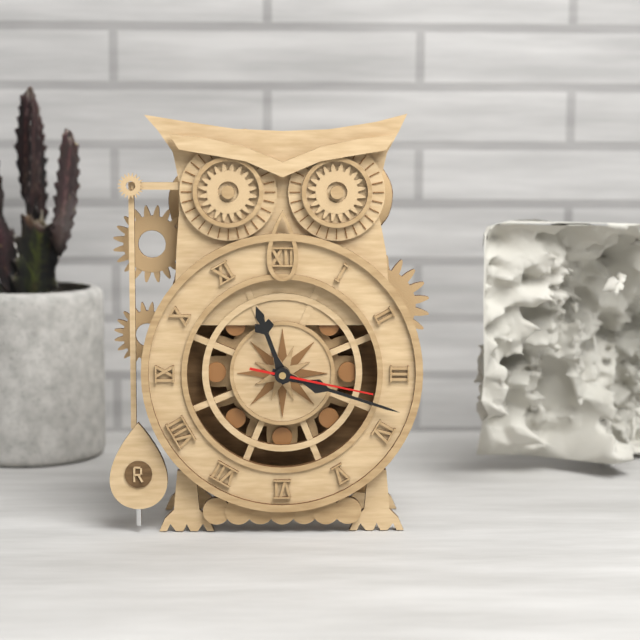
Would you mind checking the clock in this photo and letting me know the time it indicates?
11:18:17
